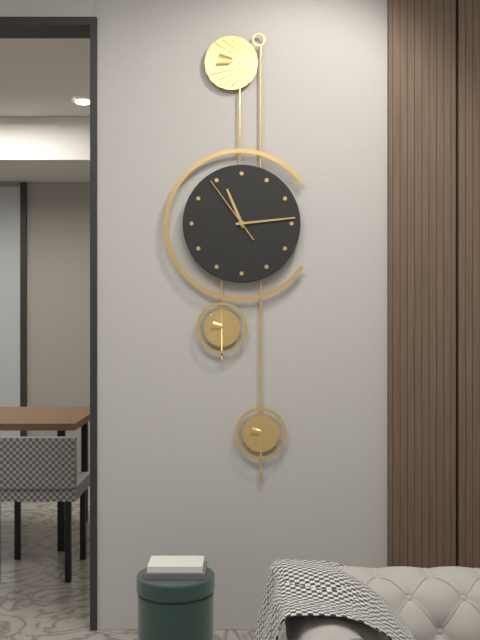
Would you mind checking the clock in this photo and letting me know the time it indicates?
11:14:54
